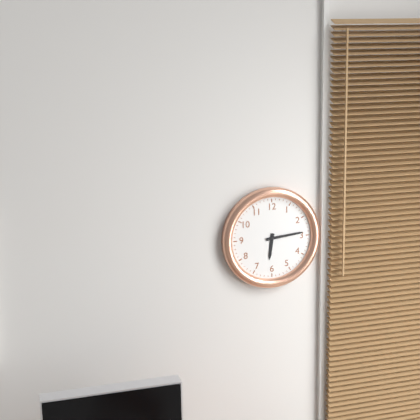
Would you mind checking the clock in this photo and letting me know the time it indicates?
6:14
